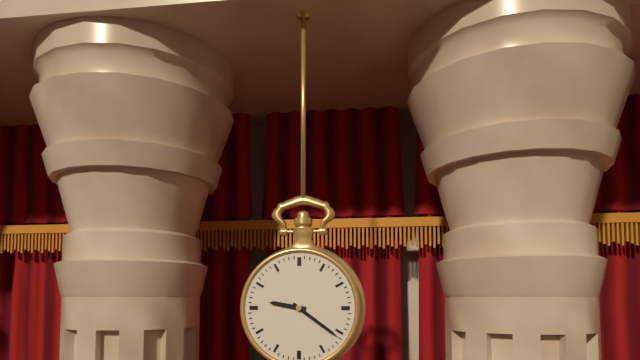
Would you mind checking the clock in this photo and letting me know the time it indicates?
9:21
